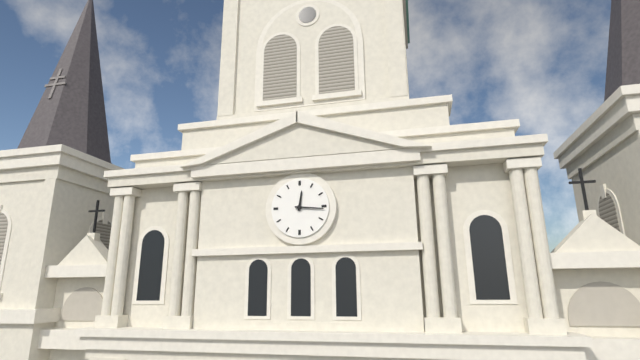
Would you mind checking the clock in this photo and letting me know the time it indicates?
12:16
